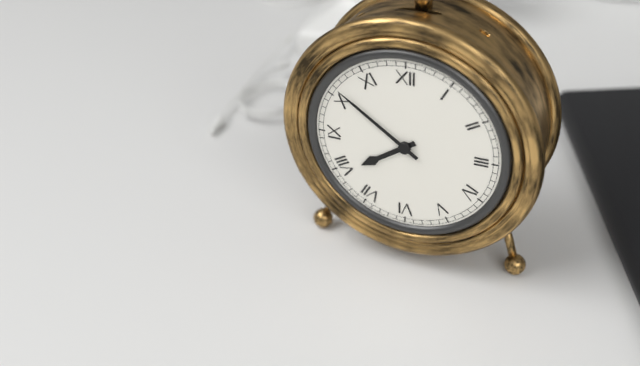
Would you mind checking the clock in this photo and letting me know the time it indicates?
7:51
